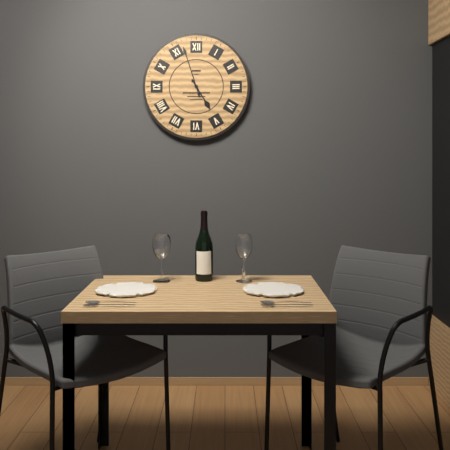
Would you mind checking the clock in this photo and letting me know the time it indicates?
4:57
